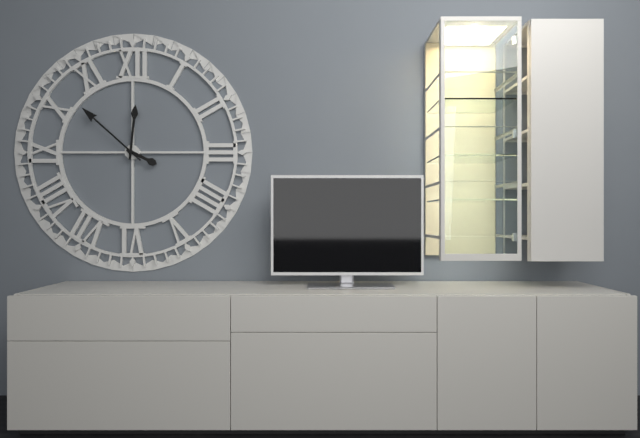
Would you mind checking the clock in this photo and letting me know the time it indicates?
3:52:01
